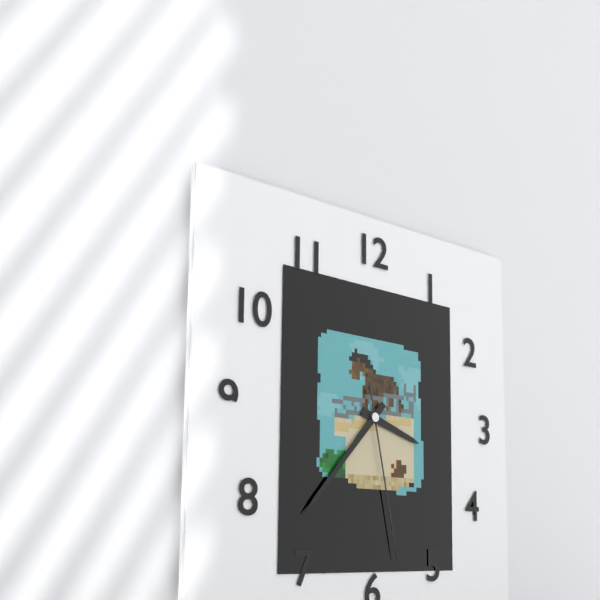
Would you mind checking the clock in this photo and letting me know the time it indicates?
3:37:28
